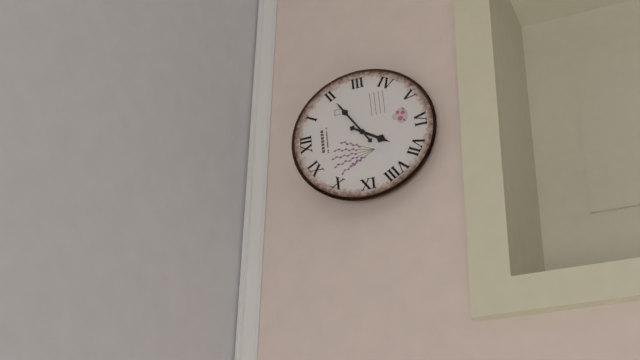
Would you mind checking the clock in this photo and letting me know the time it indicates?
7:10
